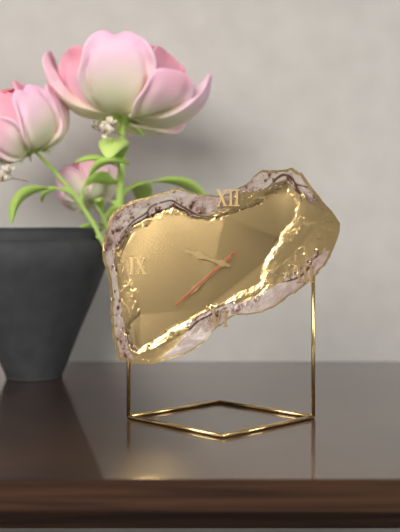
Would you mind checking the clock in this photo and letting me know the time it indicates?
9:38:38
